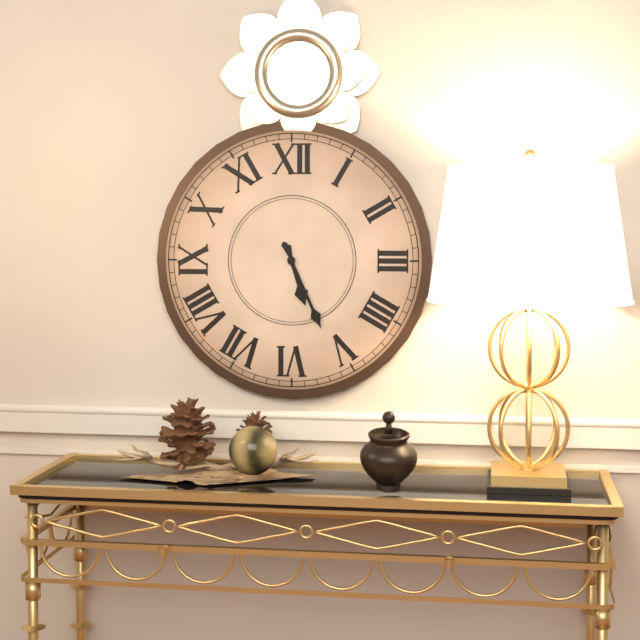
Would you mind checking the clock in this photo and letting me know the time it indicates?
5:26
